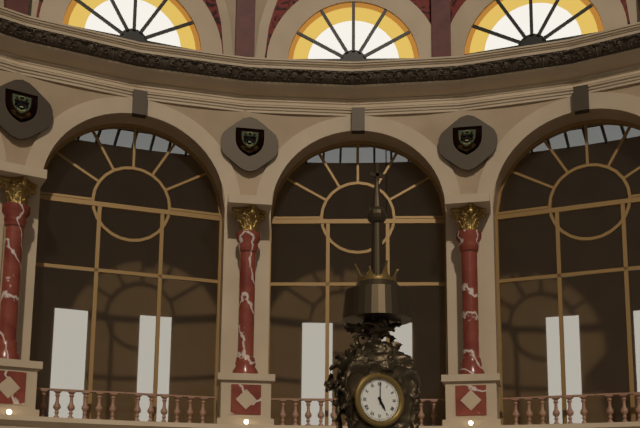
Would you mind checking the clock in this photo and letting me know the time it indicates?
5:00
